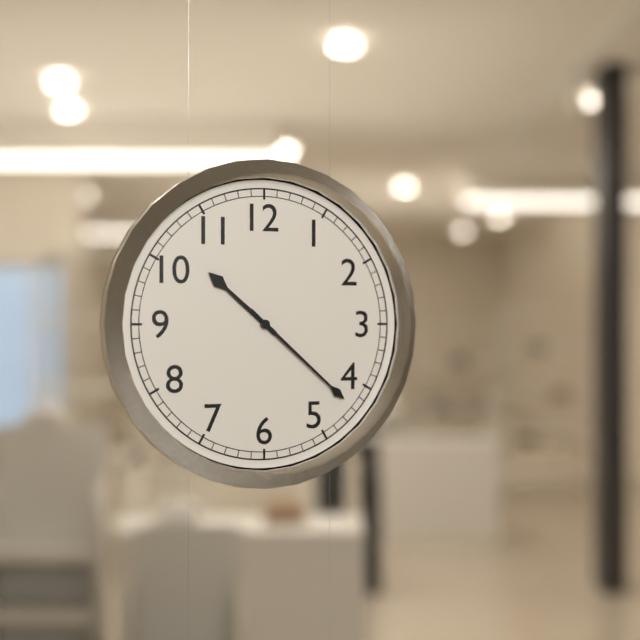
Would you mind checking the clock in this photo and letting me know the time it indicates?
10:22
